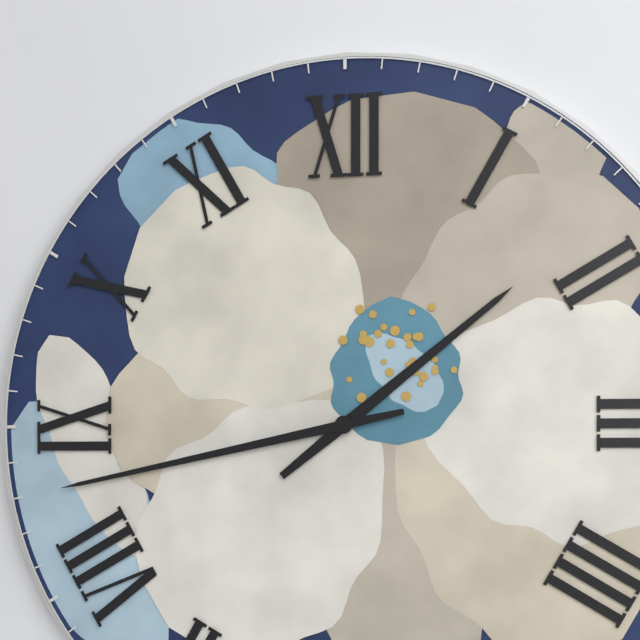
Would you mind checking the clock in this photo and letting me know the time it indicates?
1:43
